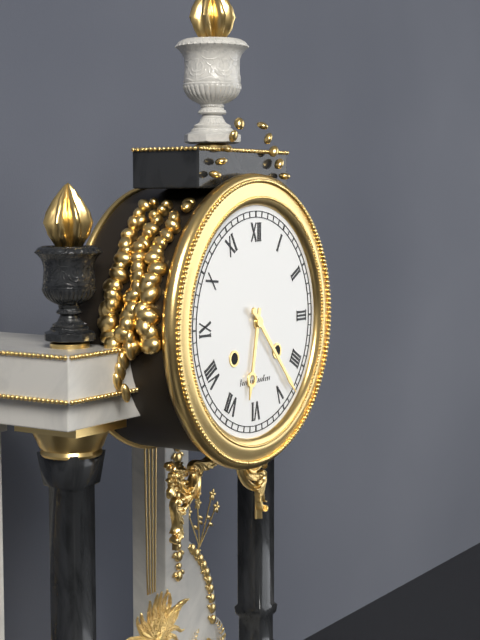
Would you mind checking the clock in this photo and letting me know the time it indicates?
6:23
